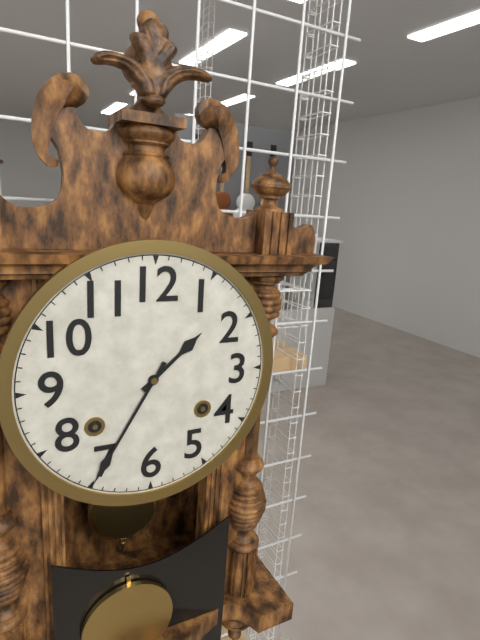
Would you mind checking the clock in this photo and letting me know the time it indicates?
1:35
